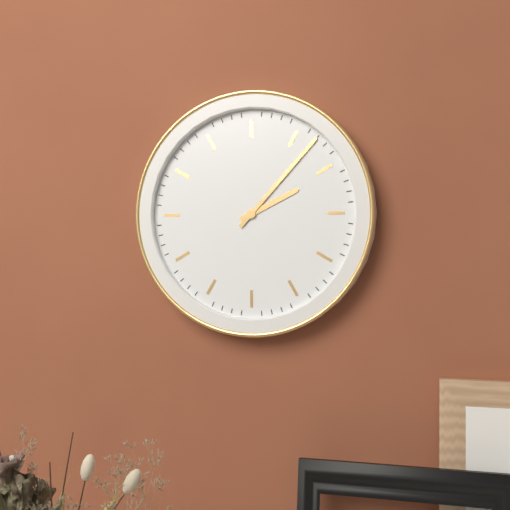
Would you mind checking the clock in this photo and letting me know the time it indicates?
2:07
